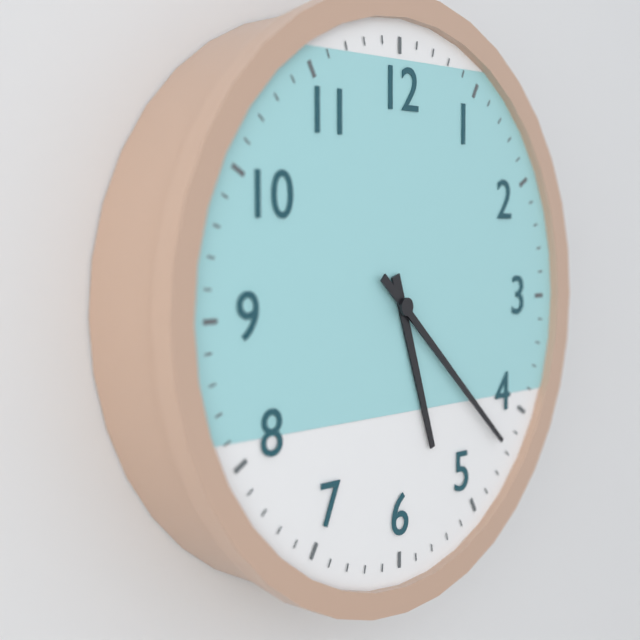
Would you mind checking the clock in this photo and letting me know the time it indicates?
5:22
